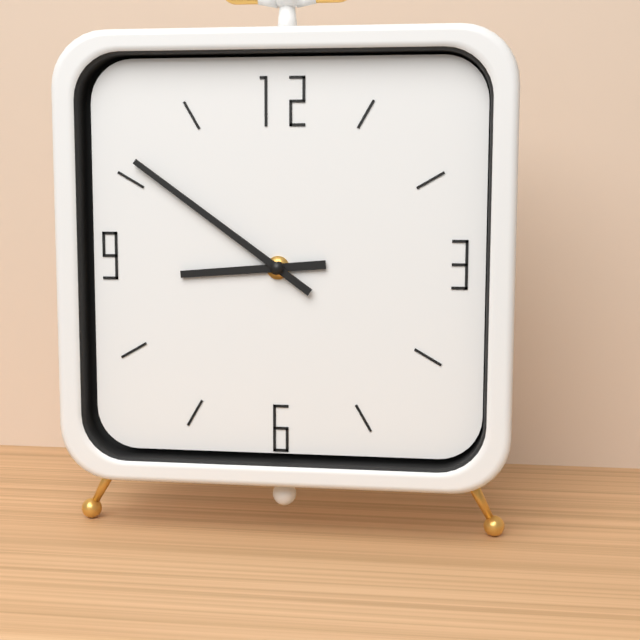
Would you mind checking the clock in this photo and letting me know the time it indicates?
8:51
